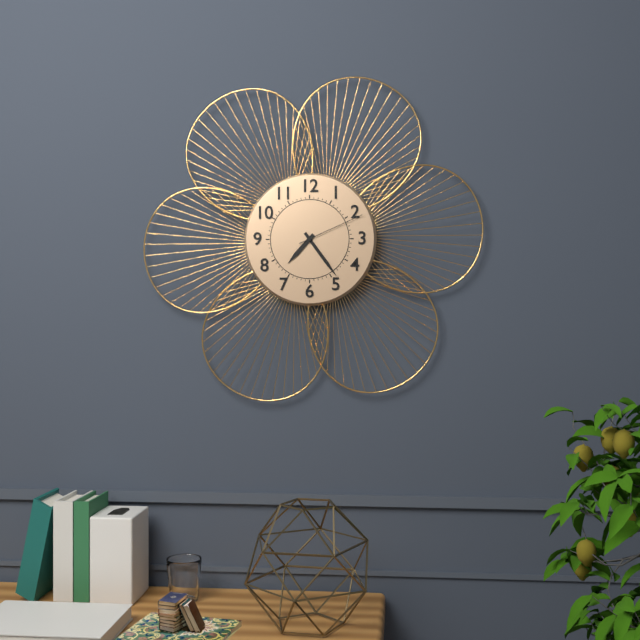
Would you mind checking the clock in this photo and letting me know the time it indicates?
7:24:11
